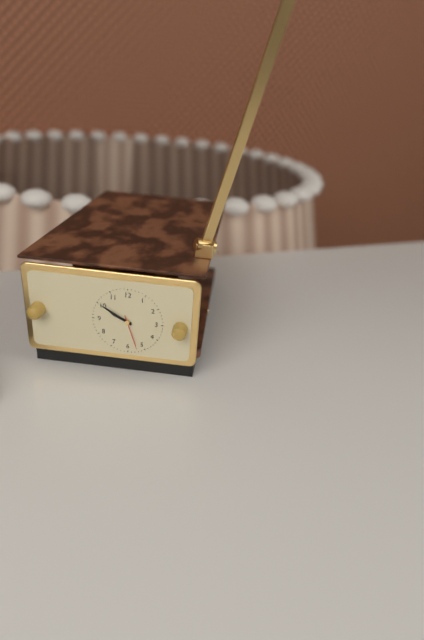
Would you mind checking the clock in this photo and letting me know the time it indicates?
9:50
